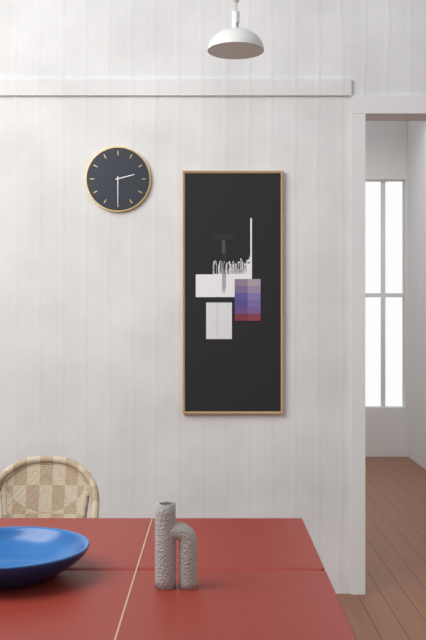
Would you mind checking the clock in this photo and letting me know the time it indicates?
2:30
